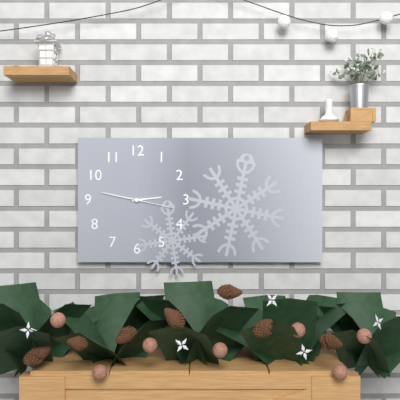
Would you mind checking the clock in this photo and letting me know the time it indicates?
2:47
